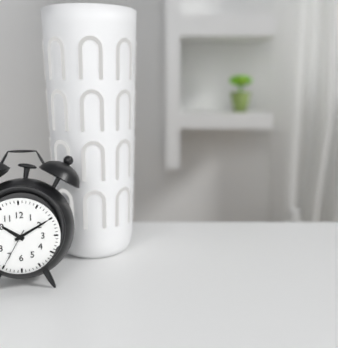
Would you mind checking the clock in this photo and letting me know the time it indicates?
10:10
